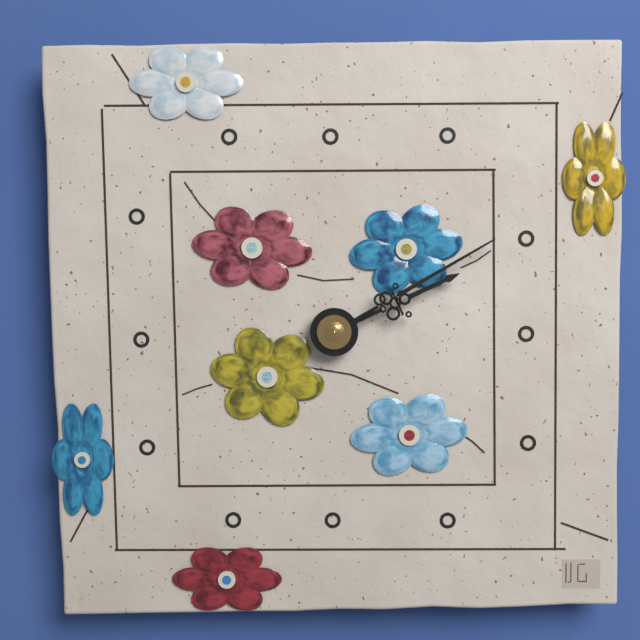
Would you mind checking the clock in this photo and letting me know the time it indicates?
2:10
